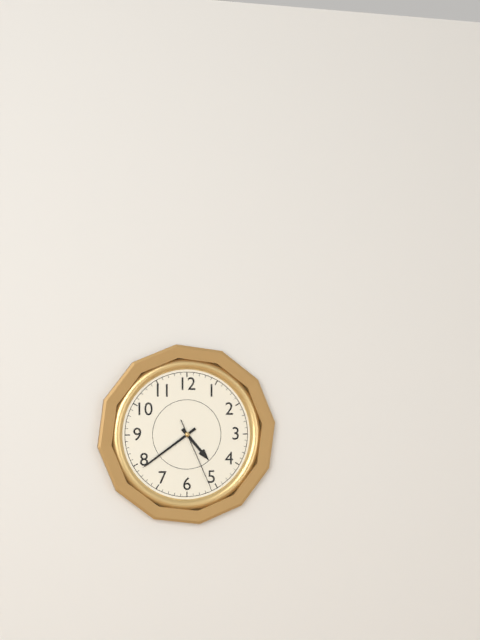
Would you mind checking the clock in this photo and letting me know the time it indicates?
4:39:26
